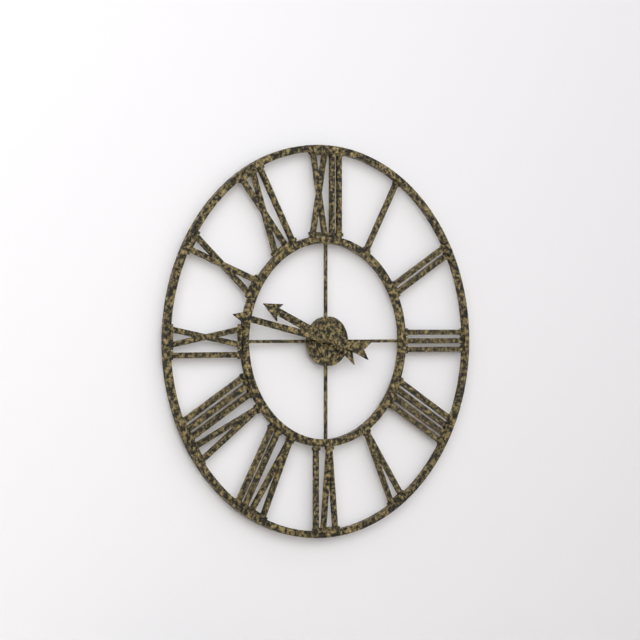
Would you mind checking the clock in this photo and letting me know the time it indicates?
9:47
